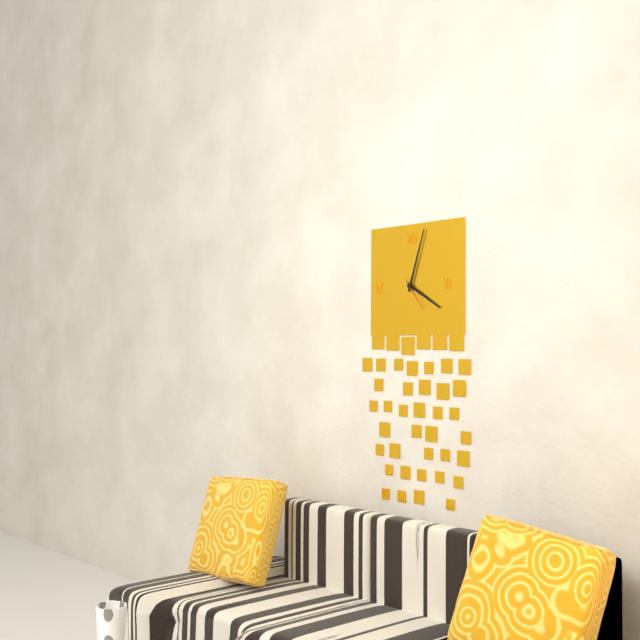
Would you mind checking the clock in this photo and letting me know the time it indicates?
4:03
